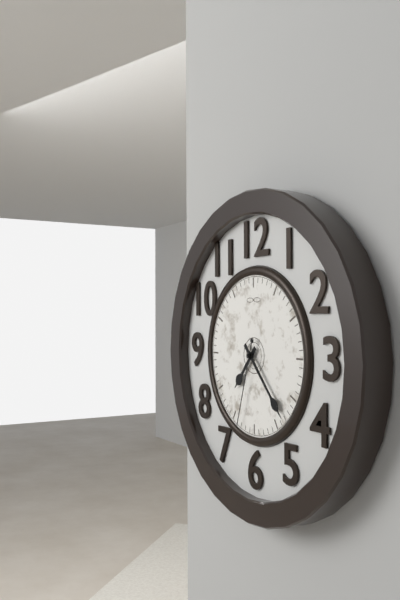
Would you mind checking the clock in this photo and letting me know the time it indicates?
7:23:33
